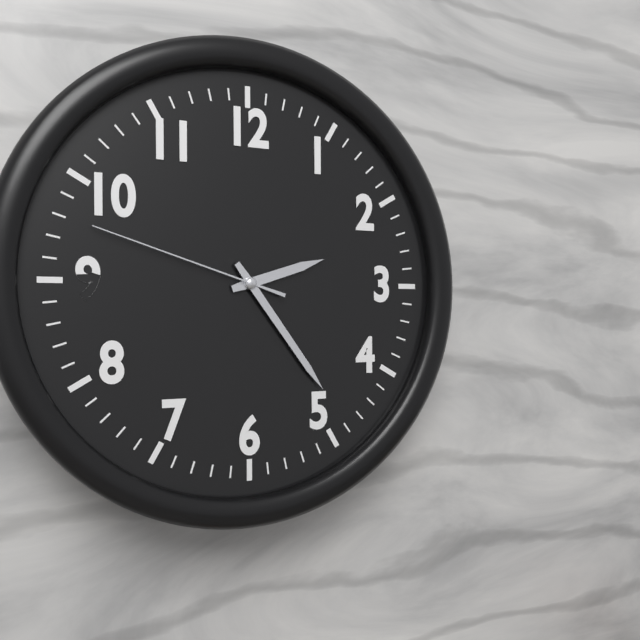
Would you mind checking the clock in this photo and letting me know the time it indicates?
2:24:48
